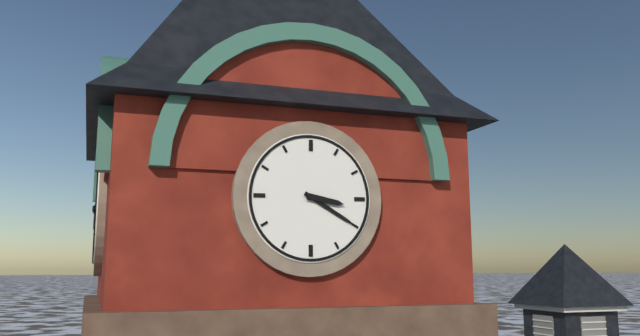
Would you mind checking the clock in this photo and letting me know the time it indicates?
3:20
